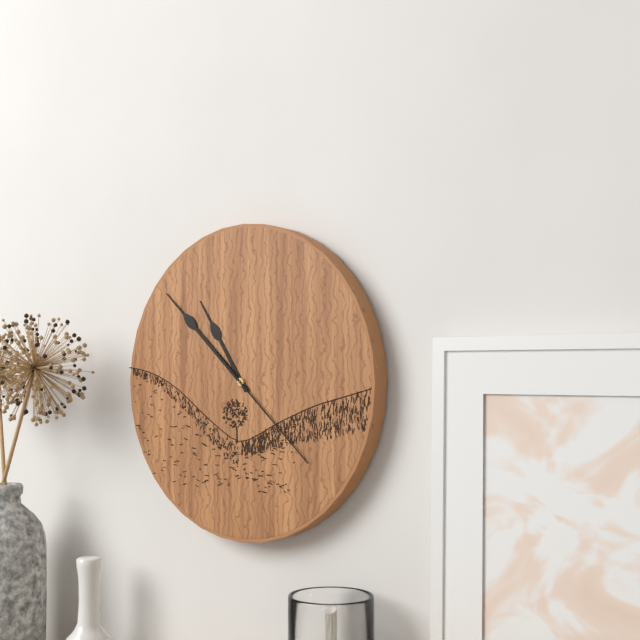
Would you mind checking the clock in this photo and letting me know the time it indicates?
10:52:22
